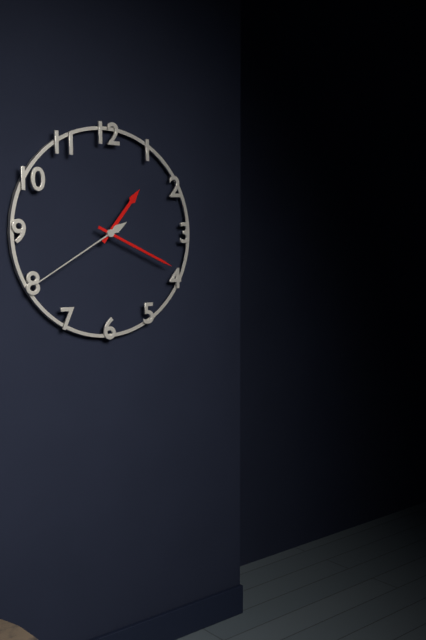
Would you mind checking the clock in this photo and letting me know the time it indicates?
1:19:40
